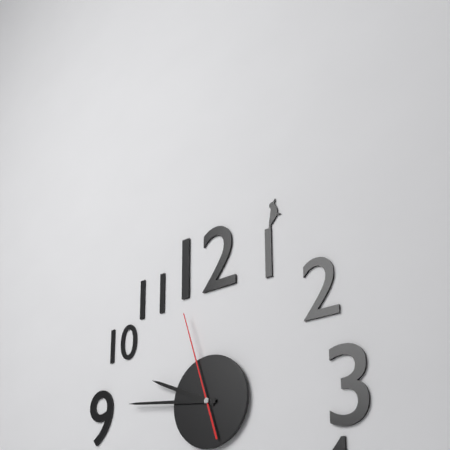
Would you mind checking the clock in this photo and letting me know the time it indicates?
9:46:57
